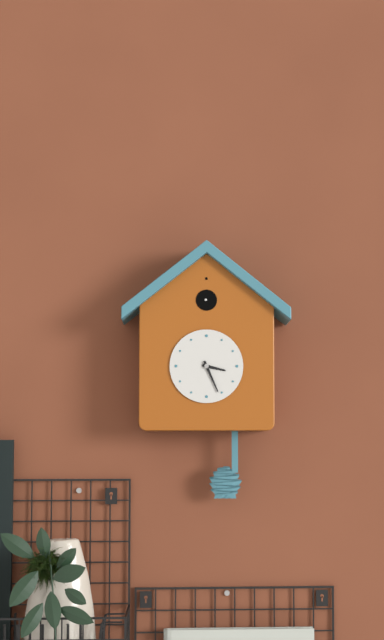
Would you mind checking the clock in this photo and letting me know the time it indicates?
3:26
